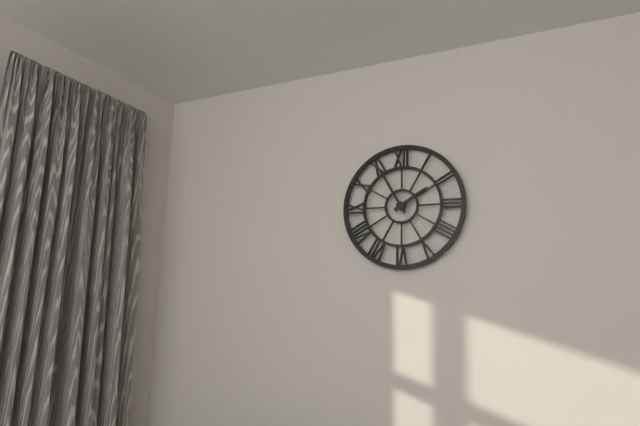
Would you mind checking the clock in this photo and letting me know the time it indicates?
1:55
